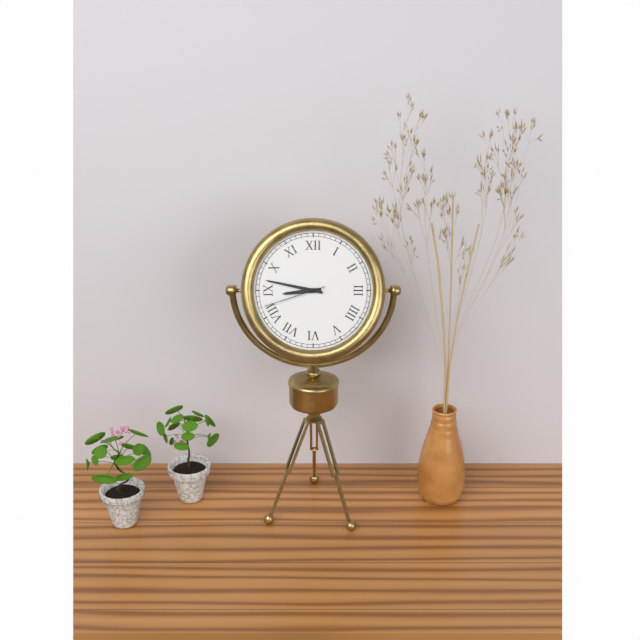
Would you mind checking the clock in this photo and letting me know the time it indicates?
8:47:42
